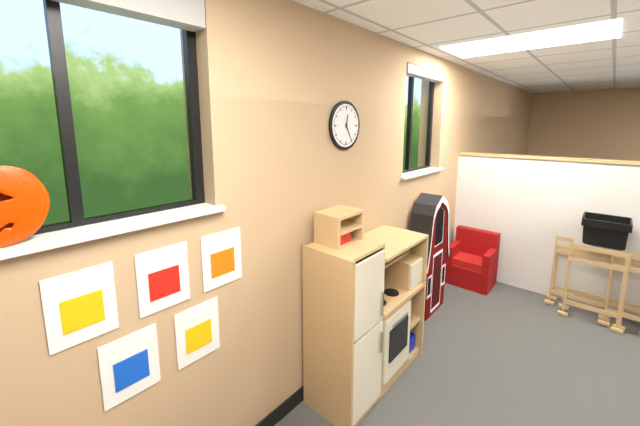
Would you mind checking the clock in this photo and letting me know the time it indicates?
12:25
